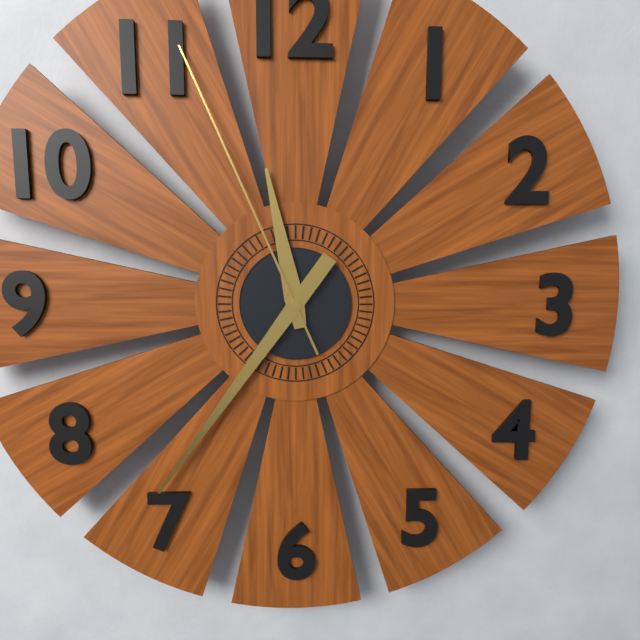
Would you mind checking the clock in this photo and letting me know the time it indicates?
11:36:56
